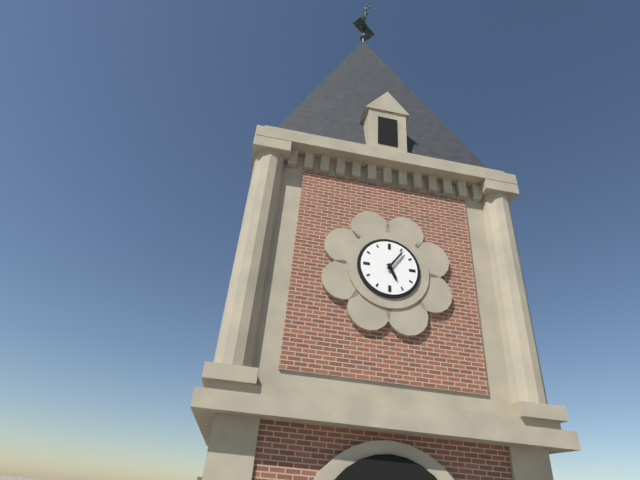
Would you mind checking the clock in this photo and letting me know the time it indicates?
5:06
